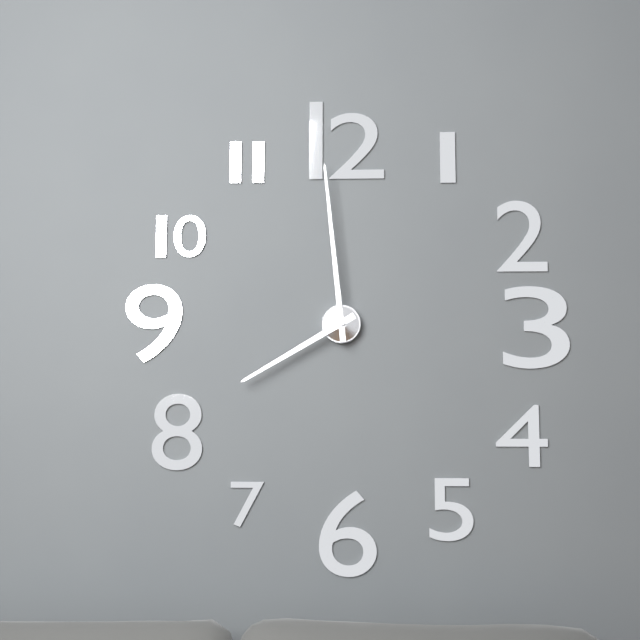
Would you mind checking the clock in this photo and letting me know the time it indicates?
7:59
